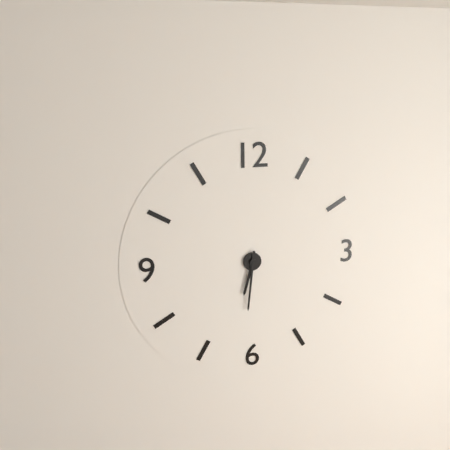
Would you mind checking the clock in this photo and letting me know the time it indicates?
6:31
